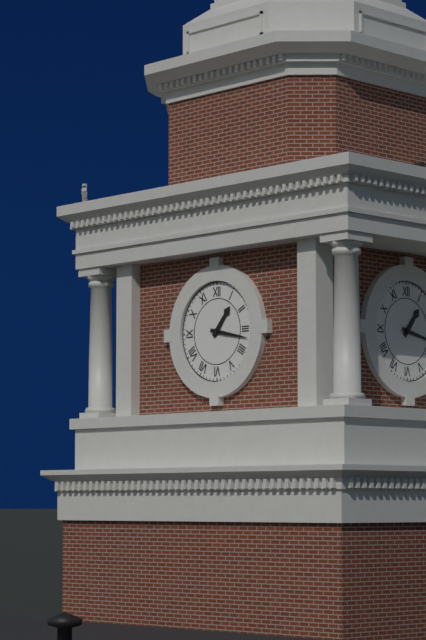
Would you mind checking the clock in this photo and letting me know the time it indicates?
1:17
